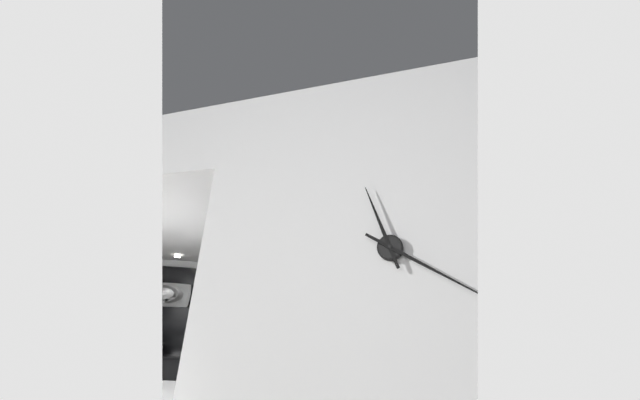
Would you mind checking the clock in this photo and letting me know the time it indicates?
11:20
